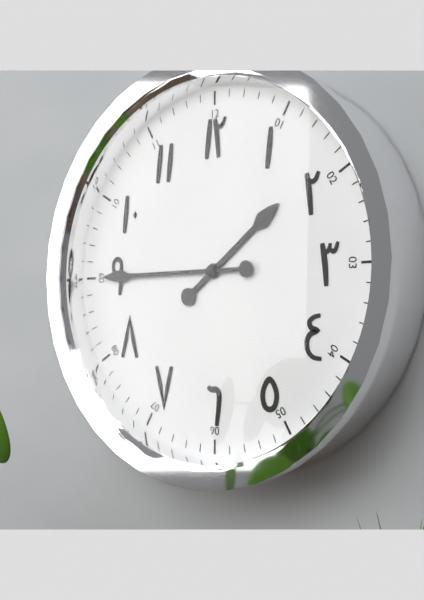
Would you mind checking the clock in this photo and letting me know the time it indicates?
1:45
